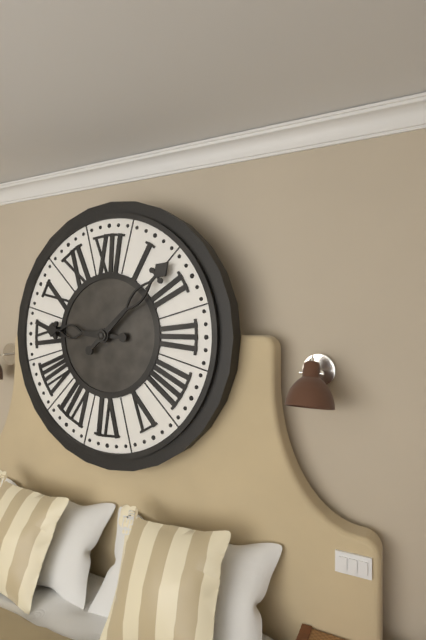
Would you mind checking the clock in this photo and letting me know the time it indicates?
9:08
